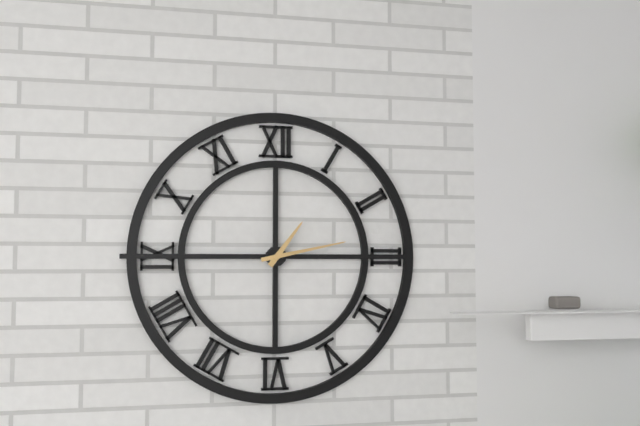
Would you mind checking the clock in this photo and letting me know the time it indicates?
1:13
